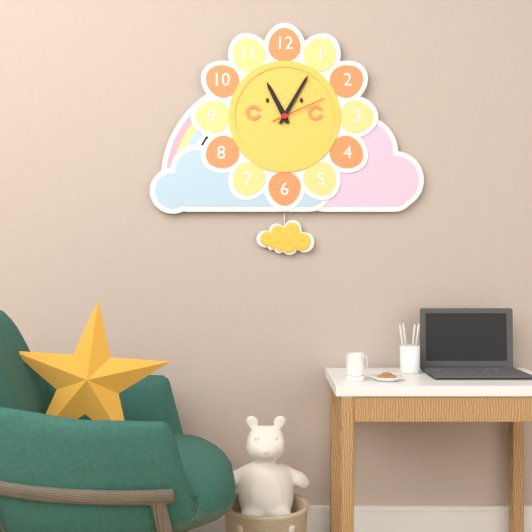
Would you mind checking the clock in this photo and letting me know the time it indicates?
11:05:11
